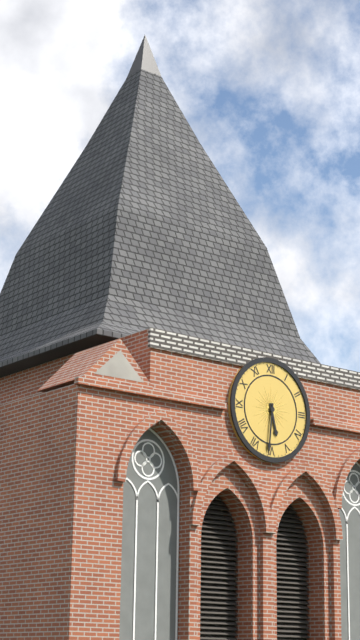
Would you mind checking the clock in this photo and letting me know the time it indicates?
5:31
